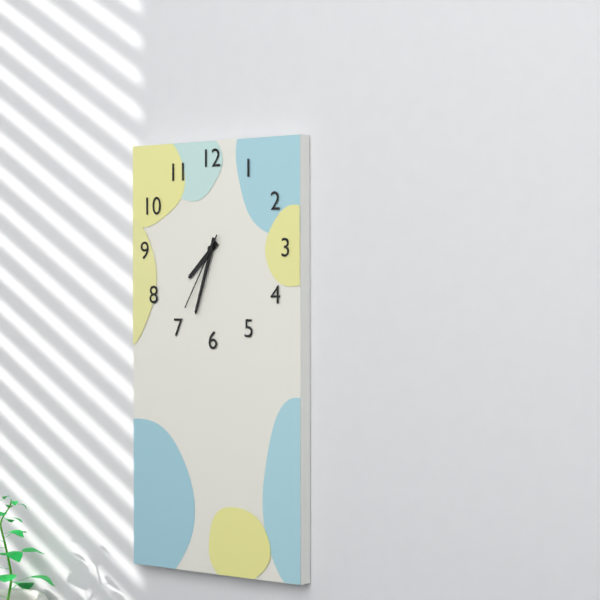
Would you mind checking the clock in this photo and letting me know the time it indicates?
7:33:35
